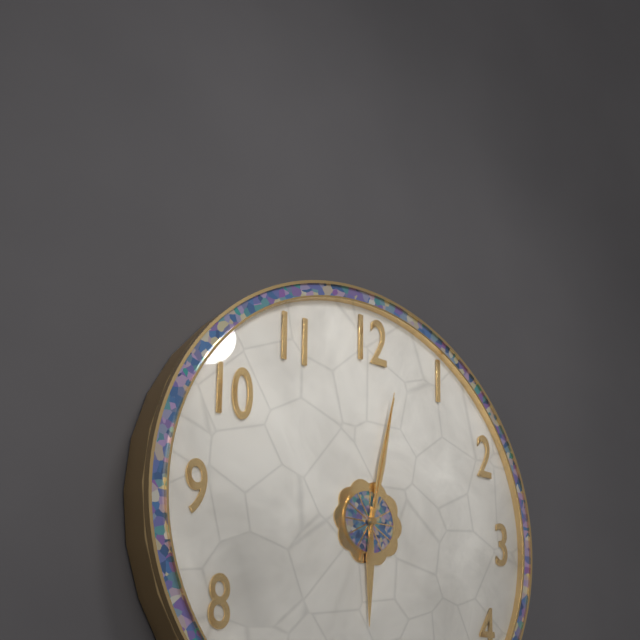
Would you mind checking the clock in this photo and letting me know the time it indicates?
6:02:02
